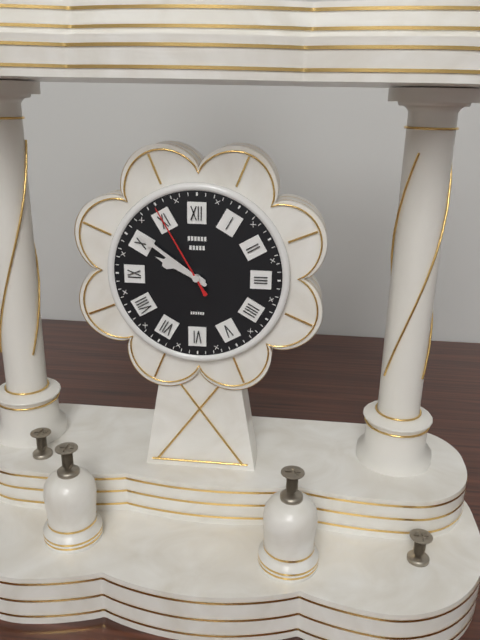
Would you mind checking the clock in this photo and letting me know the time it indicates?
9:51:55
